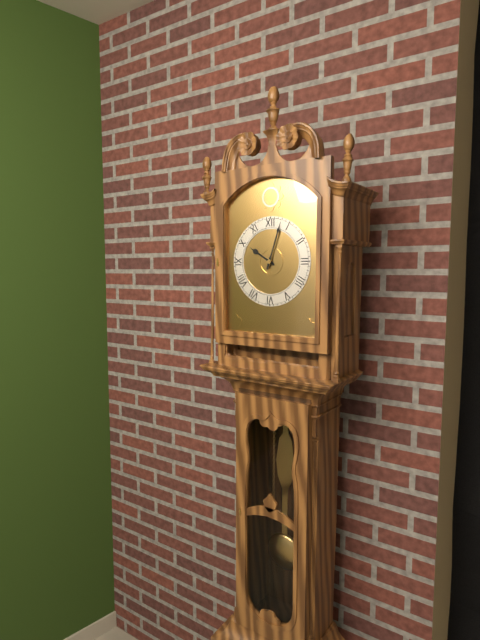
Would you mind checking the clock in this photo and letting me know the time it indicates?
10:03
